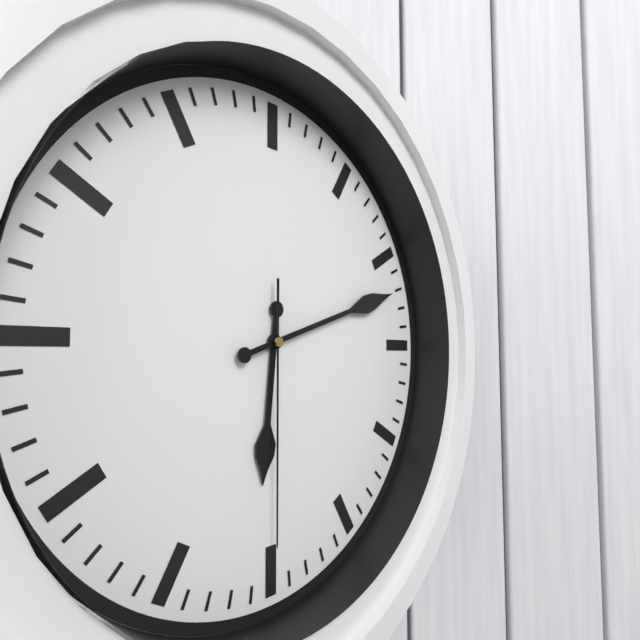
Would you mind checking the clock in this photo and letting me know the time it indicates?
6:12:30
